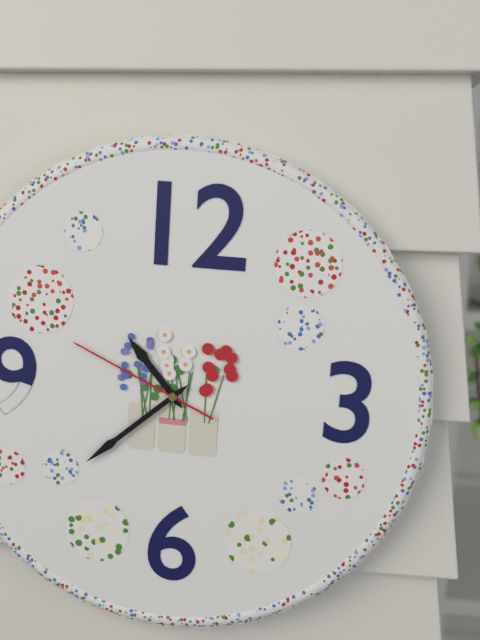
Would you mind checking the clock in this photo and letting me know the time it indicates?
10:38:49
